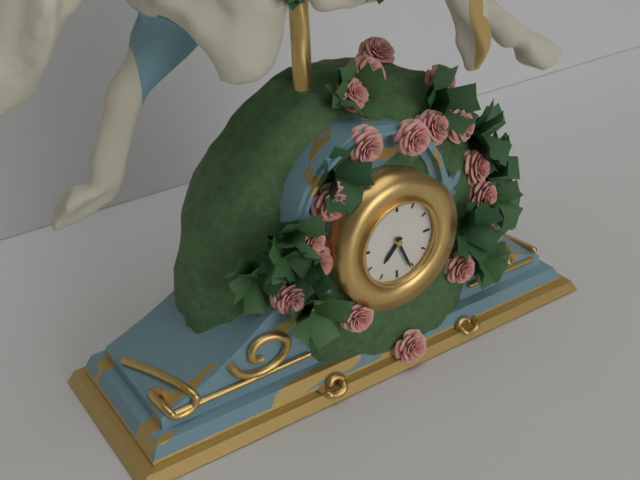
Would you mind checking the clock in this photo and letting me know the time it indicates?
7:26
